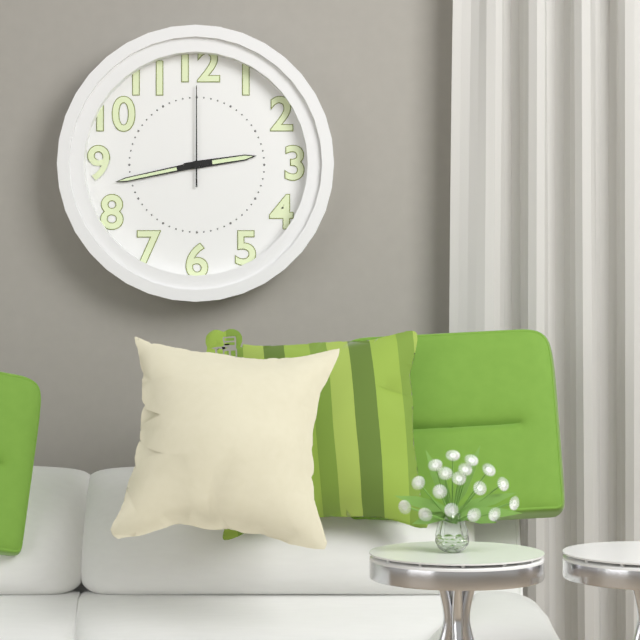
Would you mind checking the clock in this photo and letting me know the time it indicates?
2:43:00
